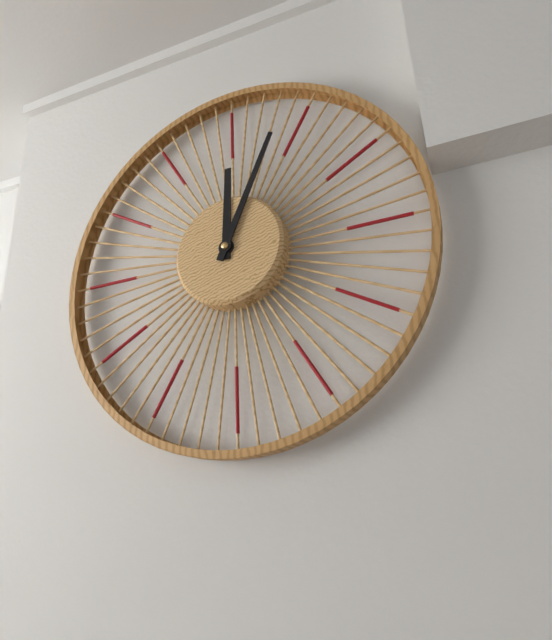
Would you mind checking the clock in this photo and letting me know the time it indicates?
12:04
